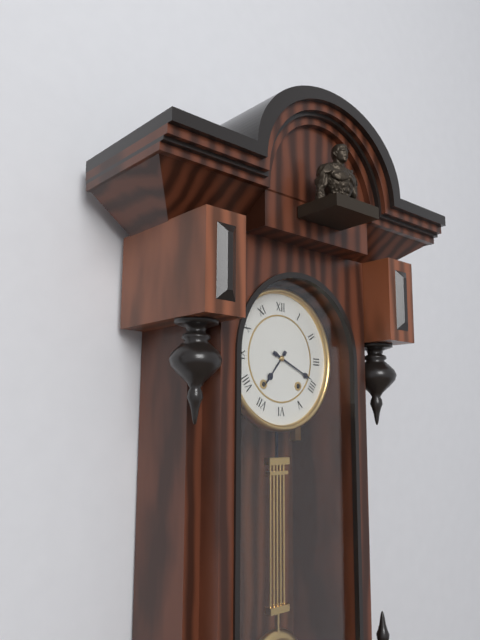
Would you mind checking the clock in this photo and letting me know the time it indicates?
7:19
